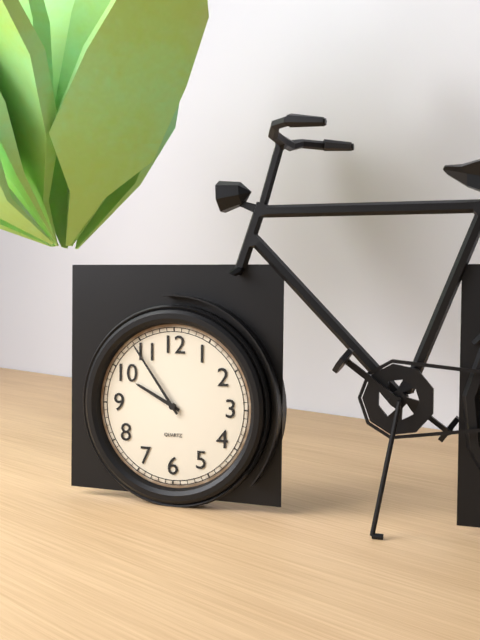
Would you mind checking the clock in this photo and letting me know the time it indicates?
9:54
